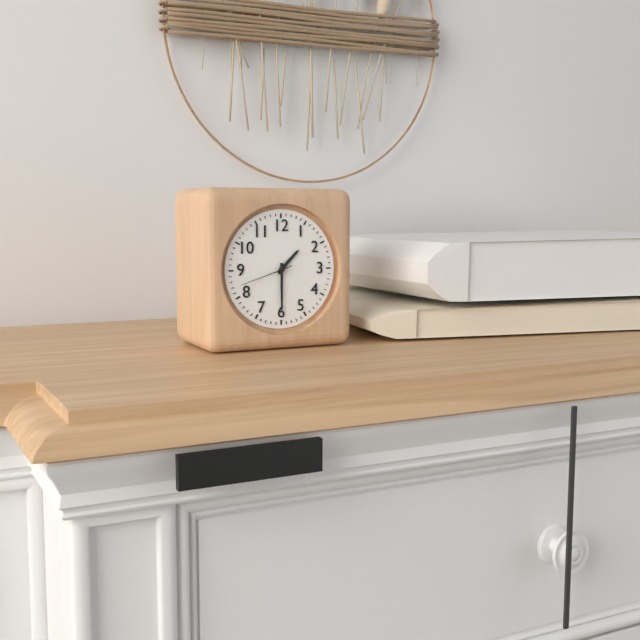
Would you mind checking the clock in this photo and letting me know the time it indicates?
1:30:42
